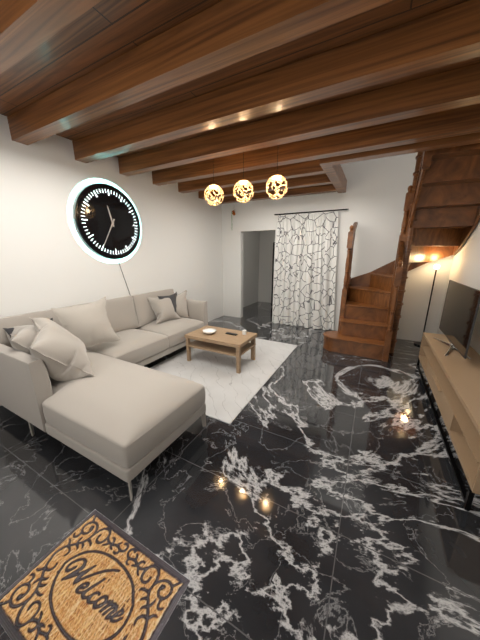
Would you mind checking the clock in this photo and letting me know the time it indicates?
11:35
